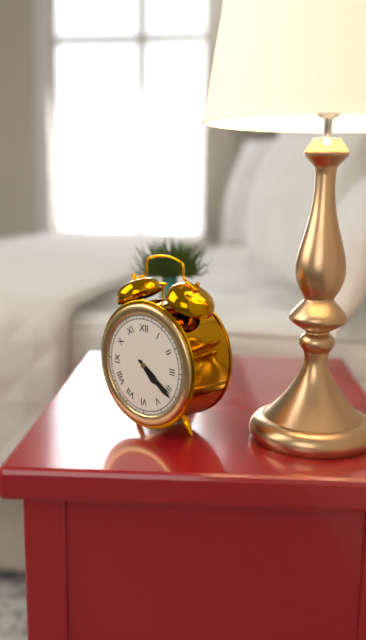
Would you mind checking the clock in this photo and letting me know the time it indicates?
4:21
